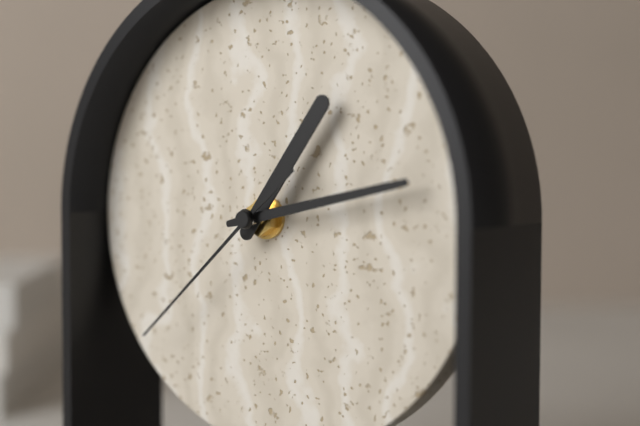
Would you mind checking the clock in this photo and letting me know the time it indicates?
1:13:38
